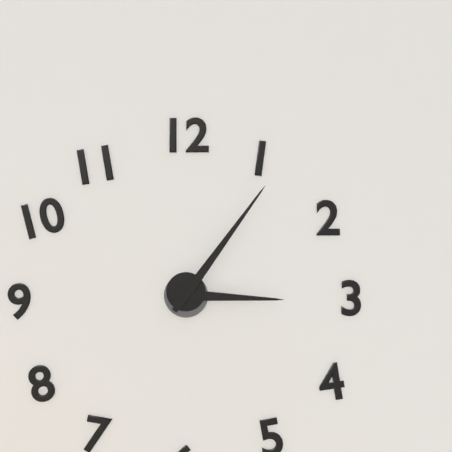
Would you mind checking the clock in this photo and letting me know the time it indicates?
3:06
